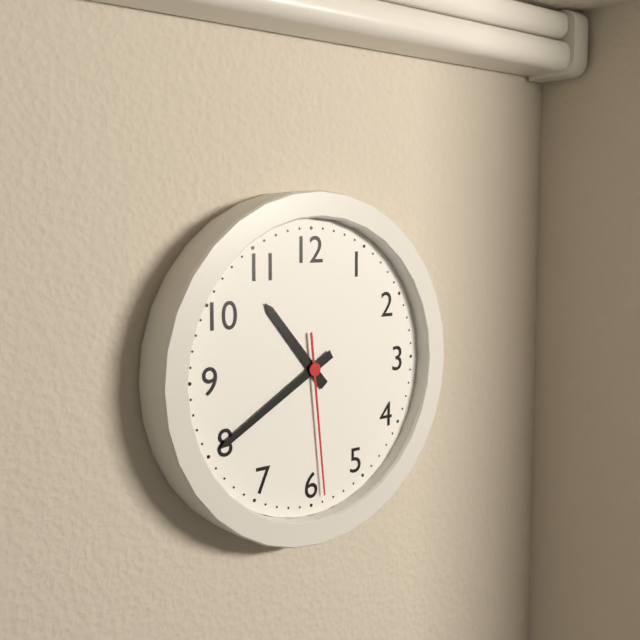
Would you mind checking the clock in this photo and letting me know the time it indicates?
10:40:29
